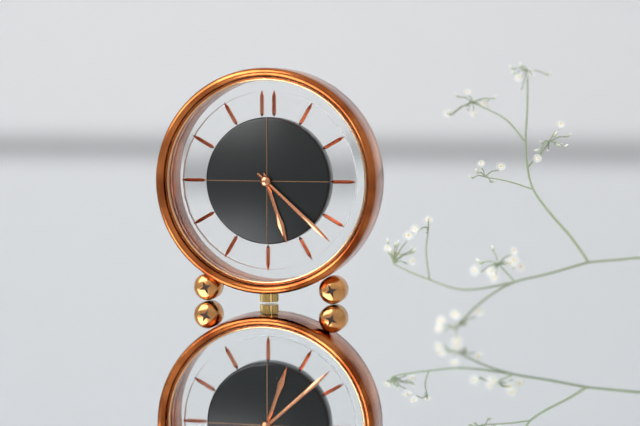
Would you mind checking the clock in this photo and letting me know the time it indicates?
5:22
